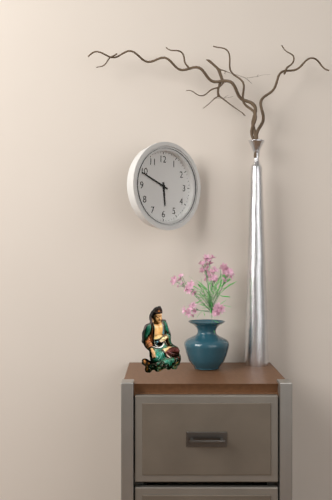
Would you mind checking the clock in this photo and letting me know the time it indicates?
5:49
